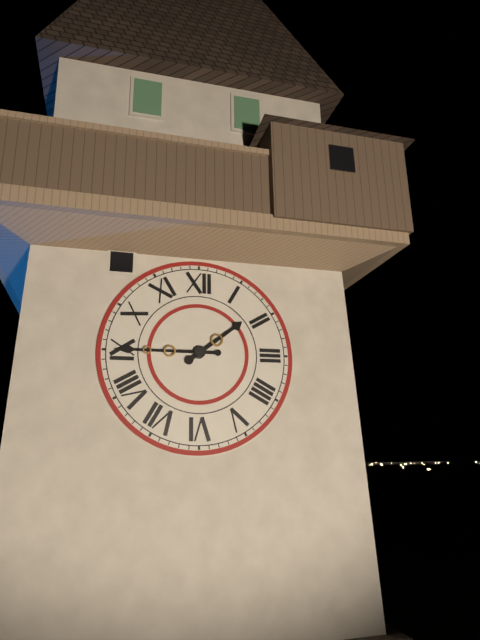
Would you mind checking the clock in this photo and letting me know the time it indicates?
1:45
